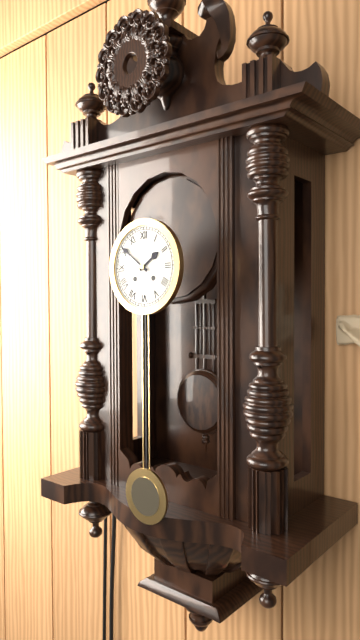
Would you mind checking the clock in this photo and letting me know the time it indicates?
1:51
